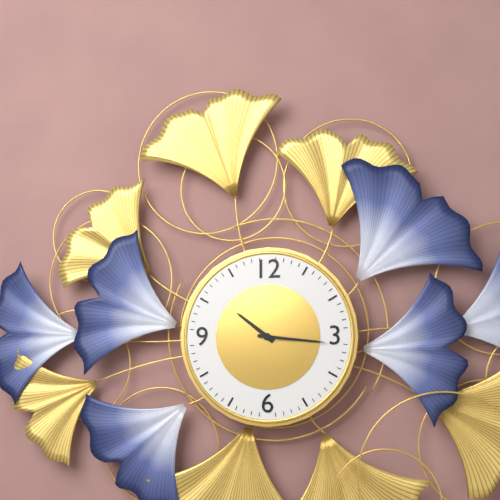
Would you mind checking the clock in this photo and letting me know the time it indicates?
10:16
